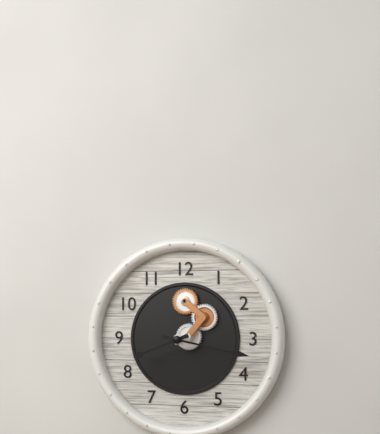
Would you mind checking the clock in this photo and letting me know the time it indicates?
8:17
